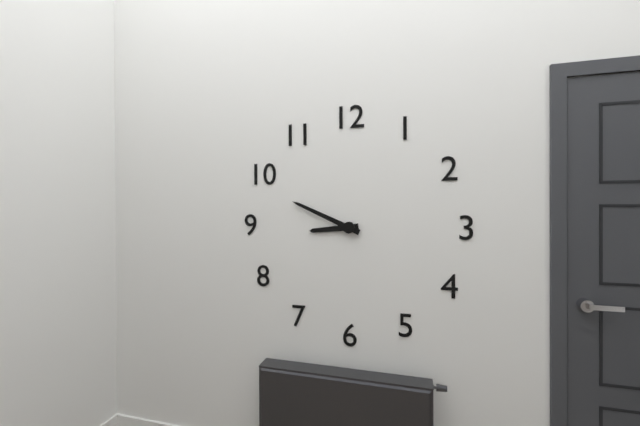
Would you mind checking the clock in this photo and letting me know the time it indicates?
8:49
